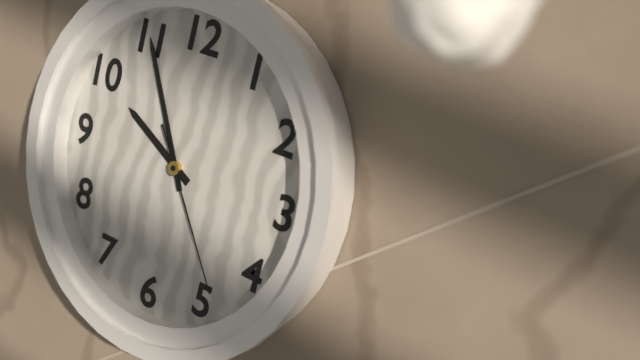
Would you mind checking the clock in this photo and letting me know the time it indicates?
9:55:24
